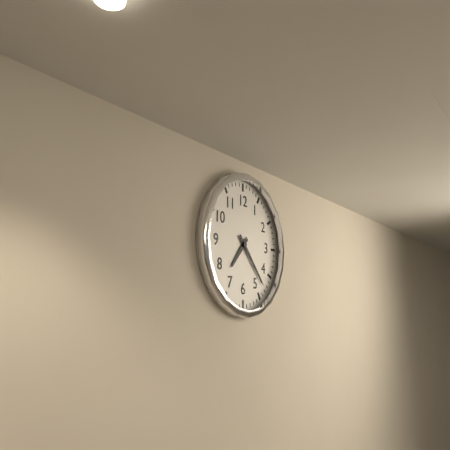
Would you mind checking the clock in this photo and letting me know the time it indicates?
7:23
